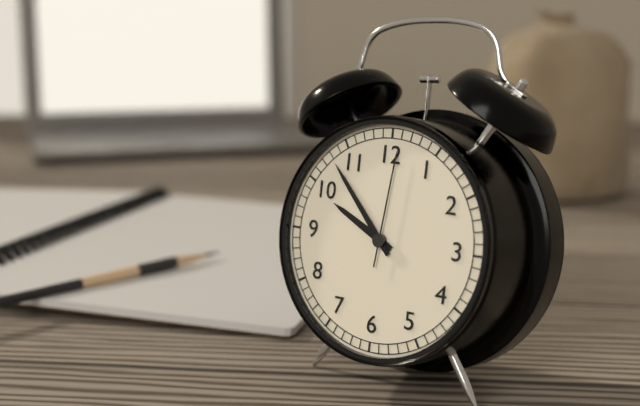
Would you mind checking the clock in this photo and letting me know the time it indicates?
9:53:01
